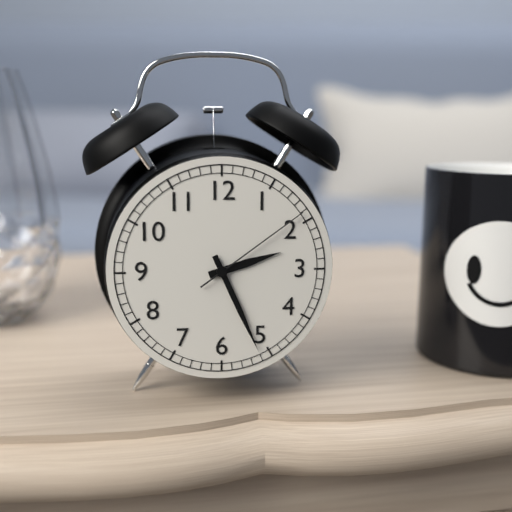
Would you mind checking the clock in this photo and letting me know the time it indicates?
2:26:09
